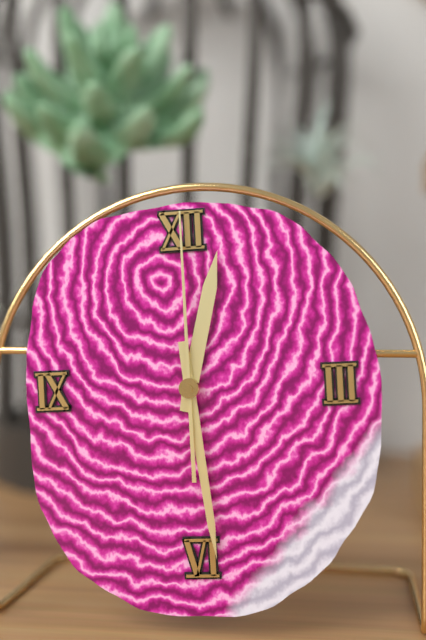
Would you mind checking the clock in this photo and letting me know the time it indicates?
12:29:00
